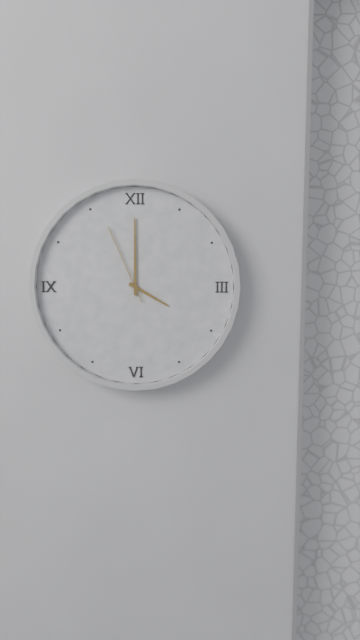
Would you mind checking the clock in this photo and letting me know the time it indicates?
4:00:56
